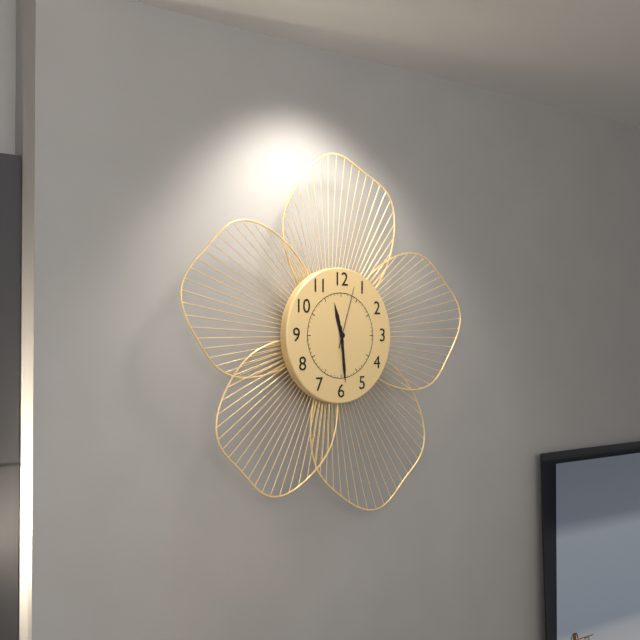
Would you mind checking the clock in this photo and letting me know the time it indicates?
11:29:03
